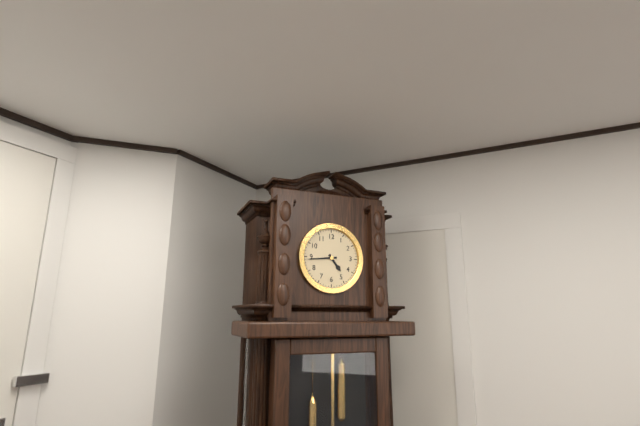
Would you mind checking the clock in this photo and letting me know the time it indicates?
4:44
